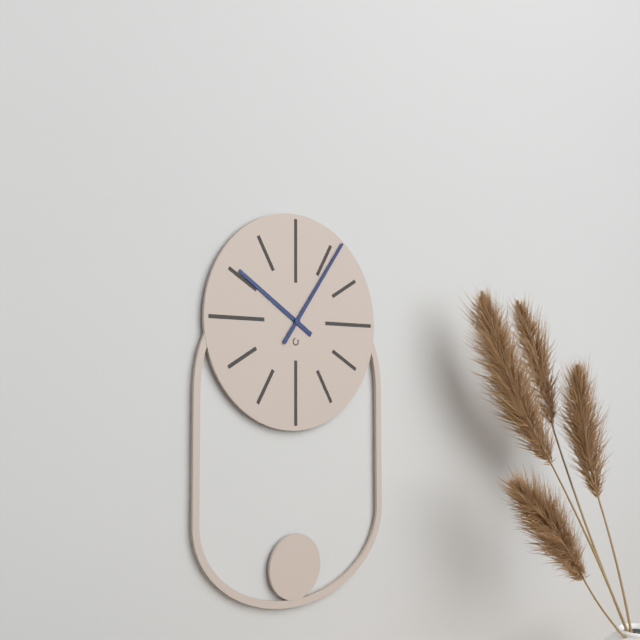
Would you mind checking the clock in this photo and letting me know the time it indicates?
10:06
